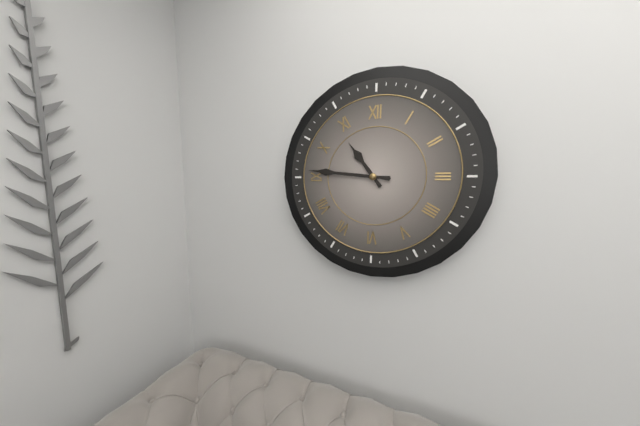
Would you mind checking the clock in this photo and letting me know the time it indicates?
10:46
